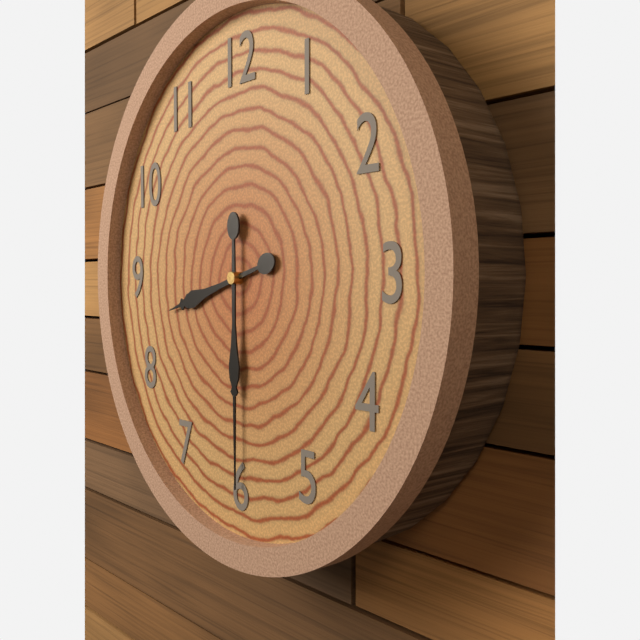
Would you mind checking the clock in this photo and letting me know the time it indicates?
8:30
